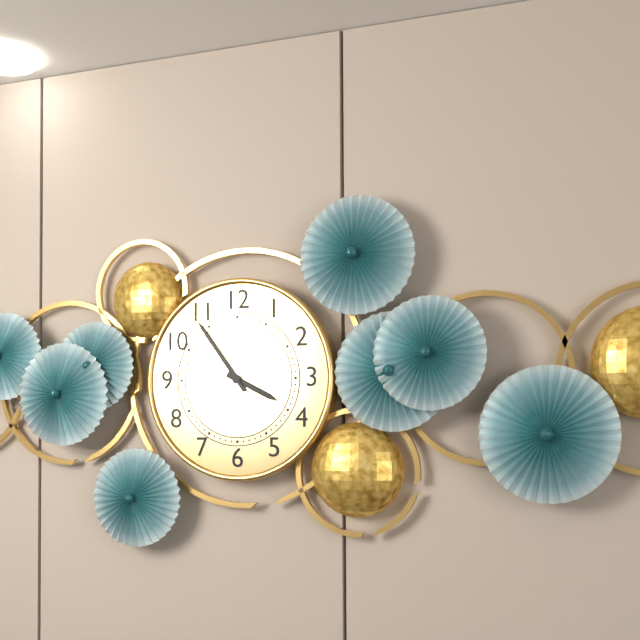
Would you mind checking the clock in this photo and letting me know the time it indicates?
3:54
